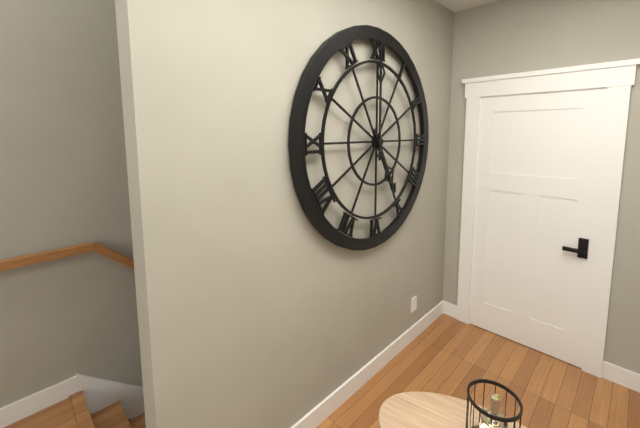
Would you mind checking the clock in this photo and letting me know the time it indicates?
5:00
